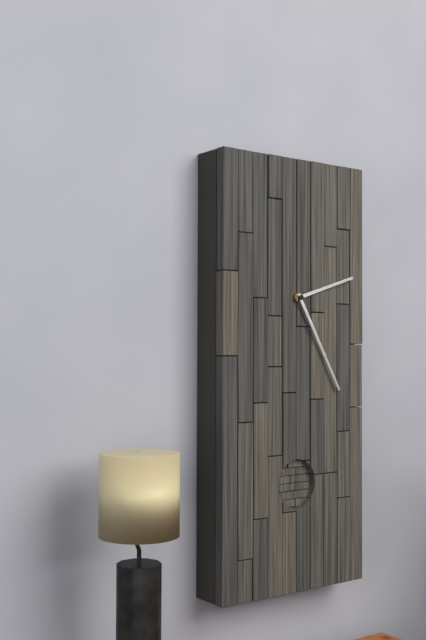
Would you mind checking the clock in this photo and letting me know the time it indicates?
2:25
